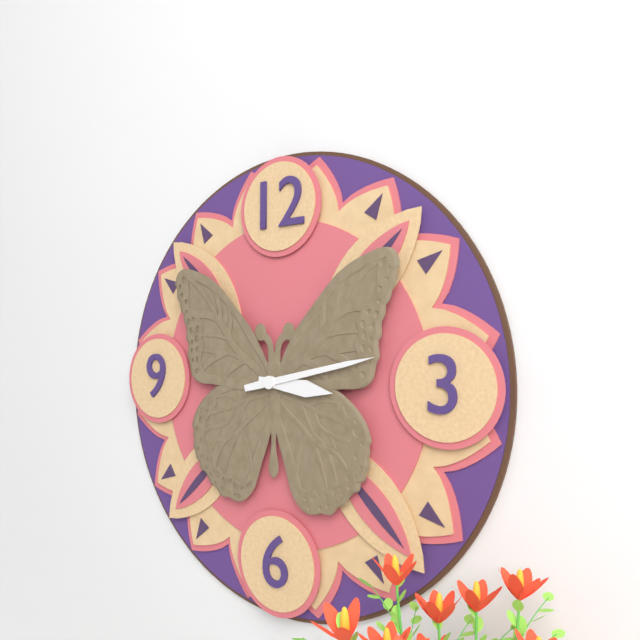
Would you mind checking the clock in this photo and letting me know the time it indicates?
3:13
